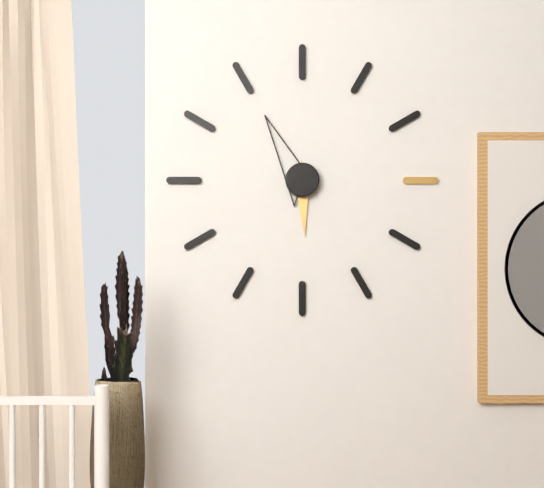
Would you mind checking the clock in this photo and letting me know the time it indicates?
5:55
